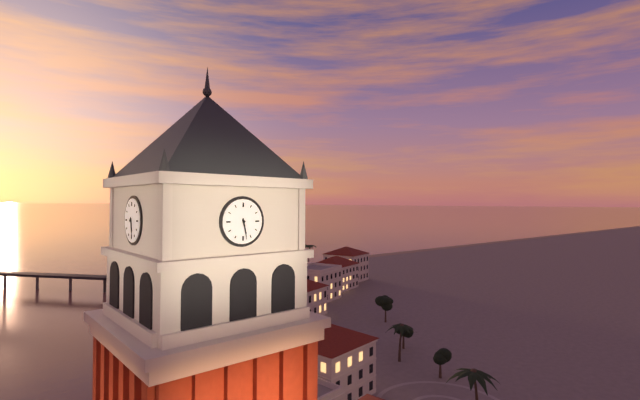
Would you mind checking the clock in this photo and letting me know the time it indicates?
5:28
